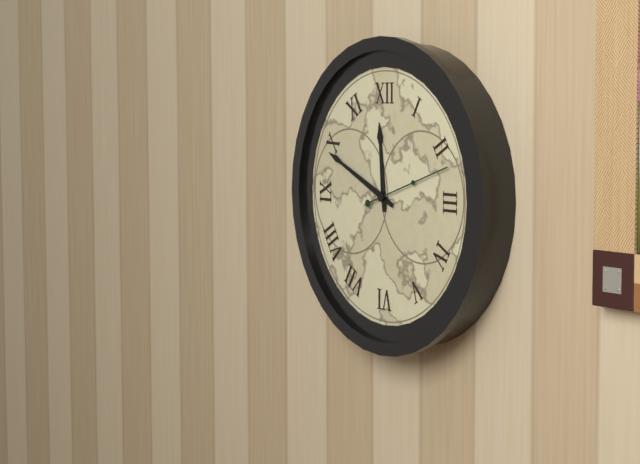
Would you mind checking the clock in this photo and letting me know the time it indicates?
11:49:12
